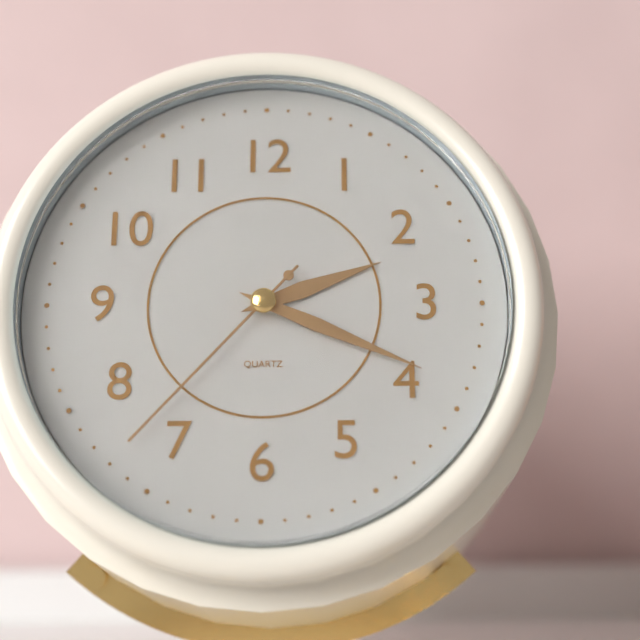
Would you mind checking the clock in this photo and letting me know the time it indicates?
2:19:37
